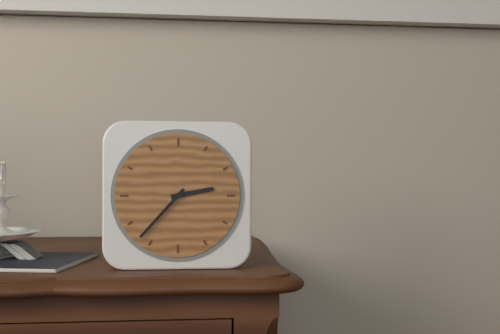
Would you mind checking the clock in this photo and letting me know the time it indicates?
2:37
